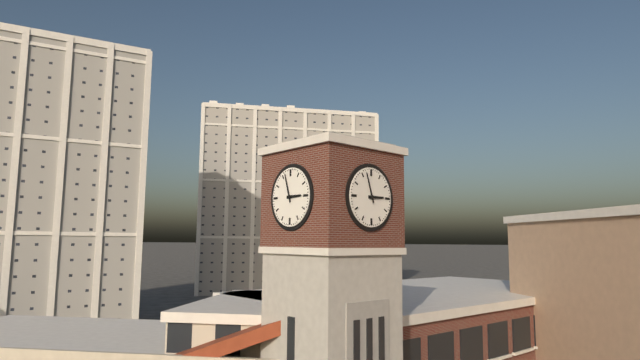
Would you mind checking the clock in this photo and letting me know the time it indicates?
2:57
